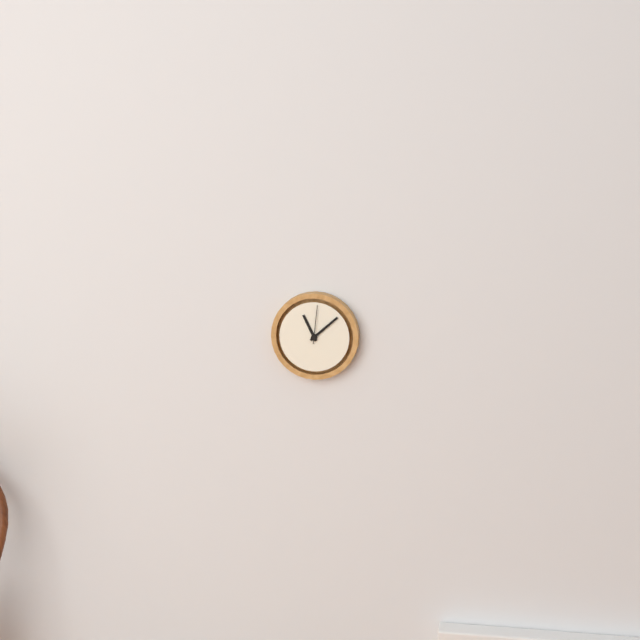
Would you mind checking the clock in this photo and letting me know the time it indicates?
11:08
